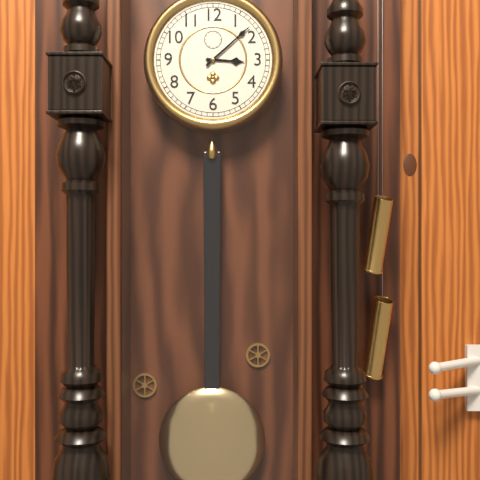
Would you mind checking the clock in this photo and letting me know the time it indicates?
3:08
